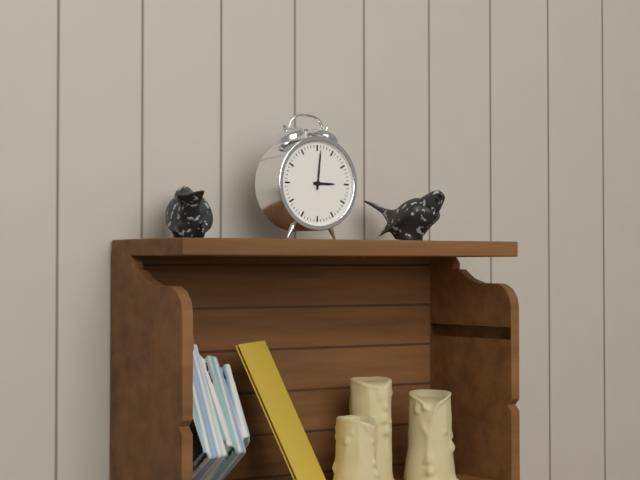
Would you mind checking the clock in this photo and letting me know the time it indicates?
3:01
